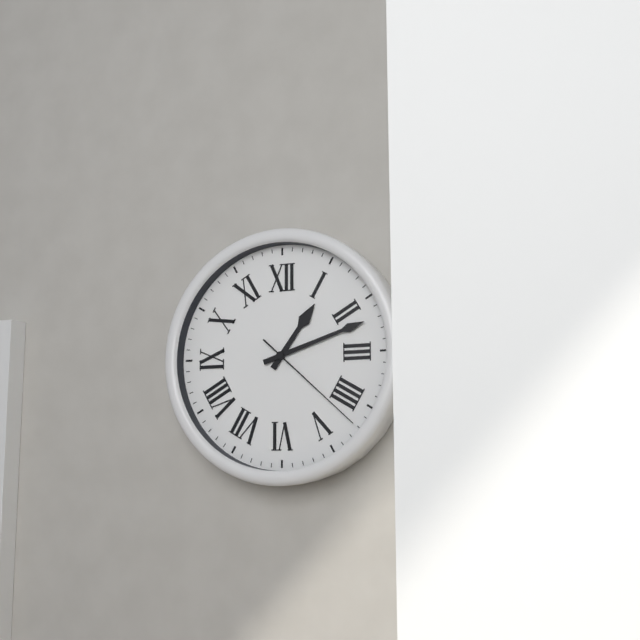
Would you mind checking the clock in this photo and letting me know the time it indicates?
1:12:22
